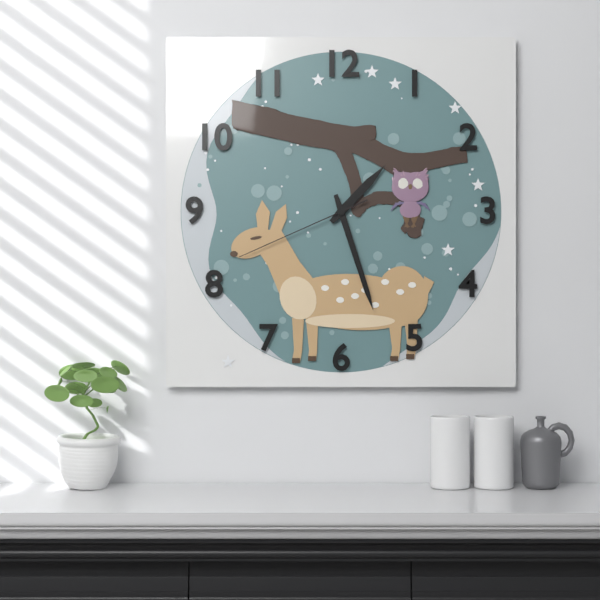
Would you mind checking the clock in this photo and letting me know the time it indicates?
1:27:41
